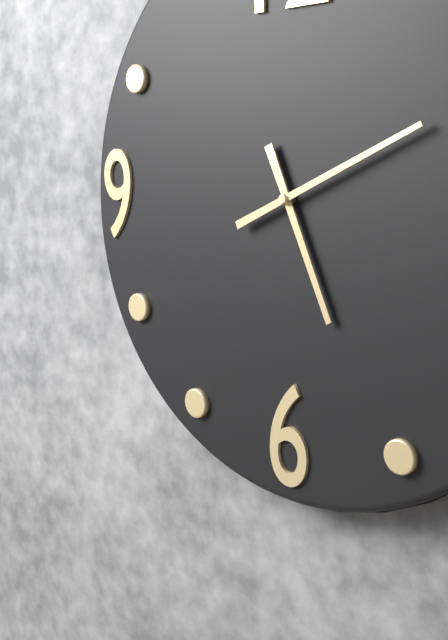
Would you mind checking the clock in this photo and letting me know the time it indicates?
5:11
